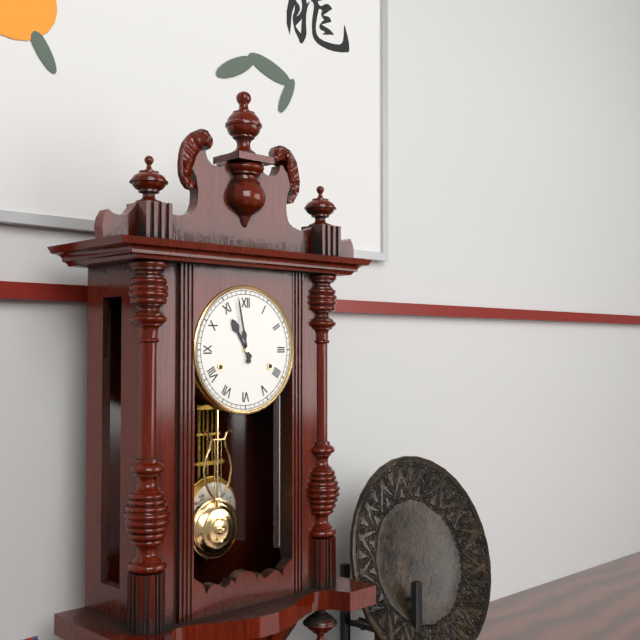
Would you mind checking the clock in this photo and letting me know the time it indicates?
10:58
